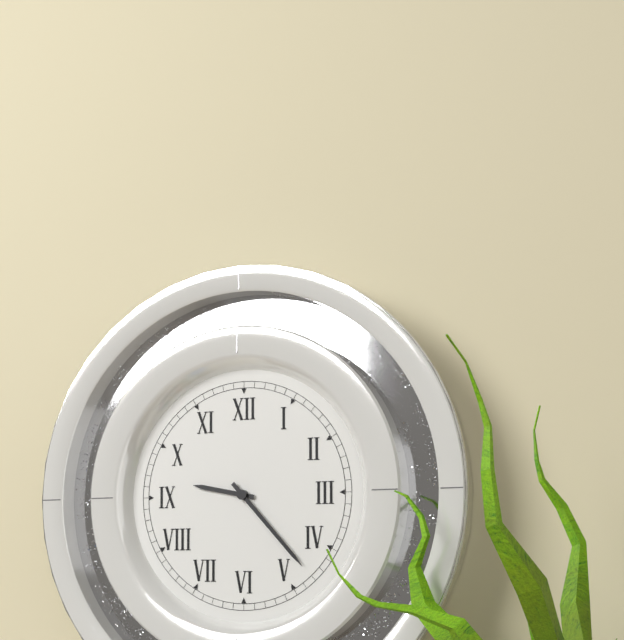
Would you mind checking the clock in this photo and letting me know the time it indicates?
9:23
